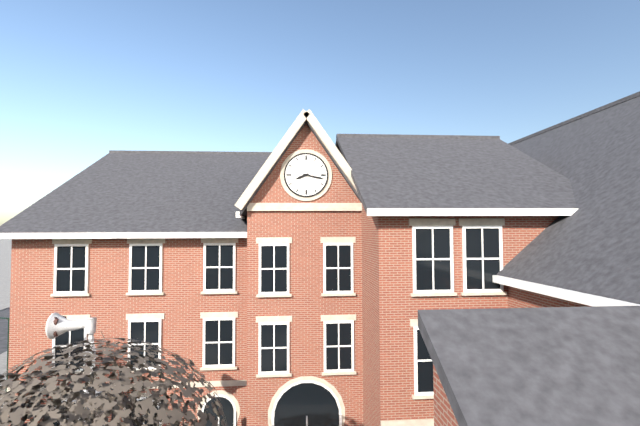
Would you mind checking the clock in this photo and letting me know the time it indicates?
8:17
